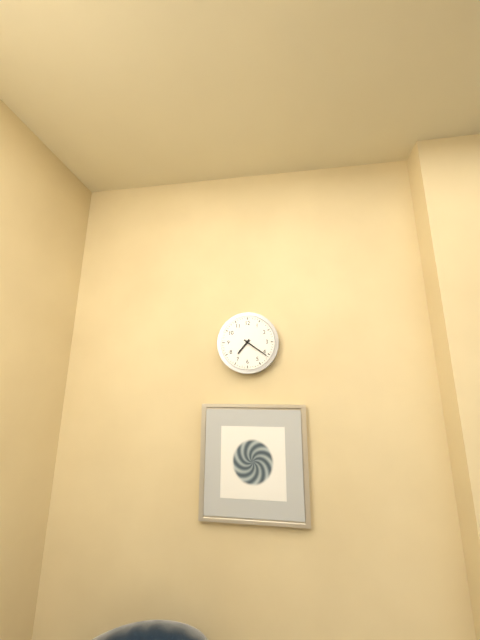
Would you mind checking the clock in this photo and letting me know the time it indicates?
7:21
